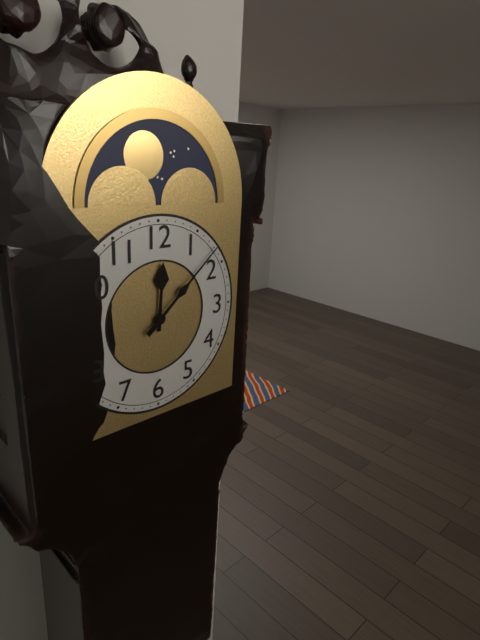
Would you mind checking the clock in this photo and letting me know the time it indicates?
12:08
